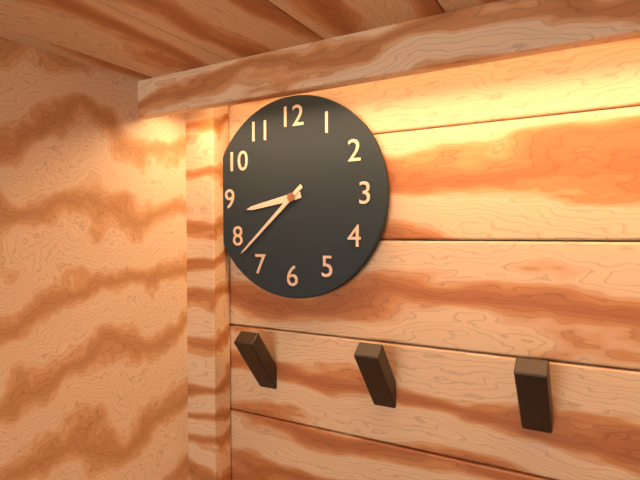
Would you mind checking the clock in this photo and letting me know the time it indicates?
8:38
